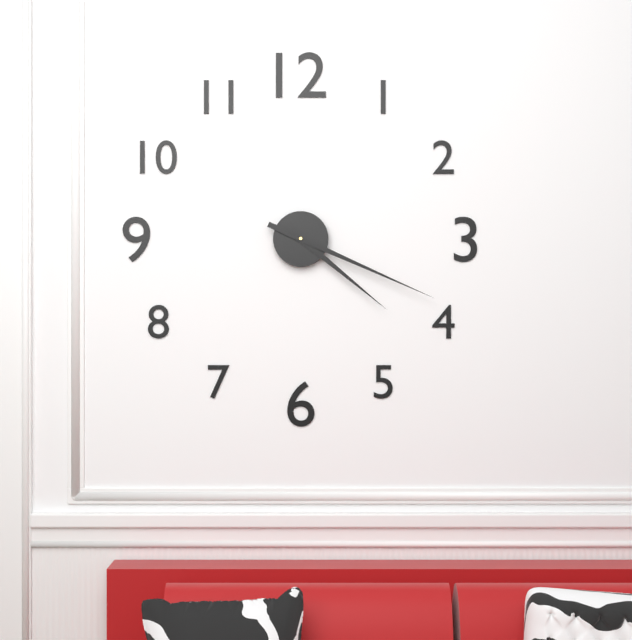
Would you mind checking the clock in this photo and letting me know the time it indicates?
4:19
